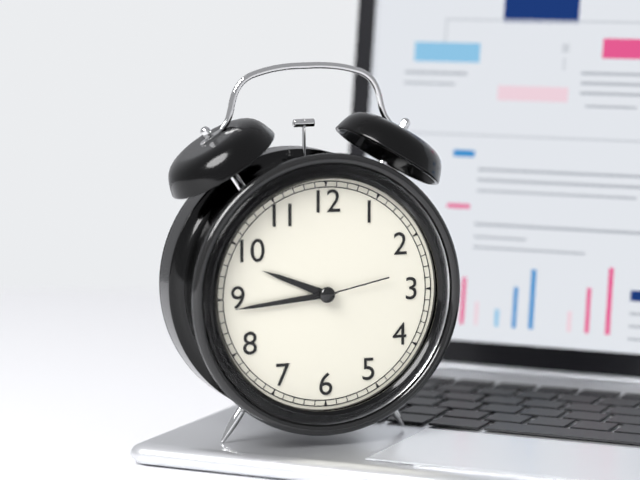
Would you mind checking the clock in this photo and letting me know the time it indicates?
9:44:13
